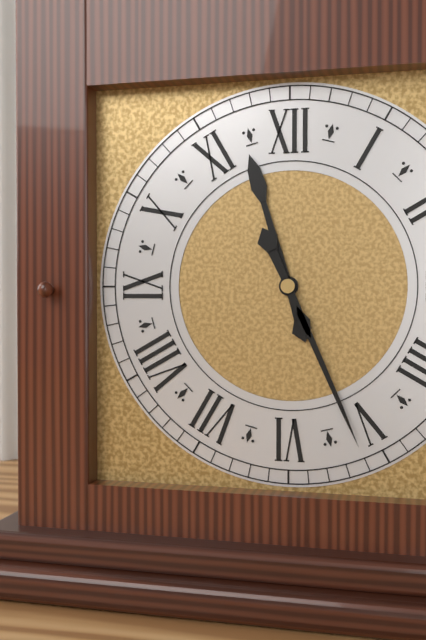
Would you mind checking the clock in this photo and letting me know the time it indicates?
11:26
